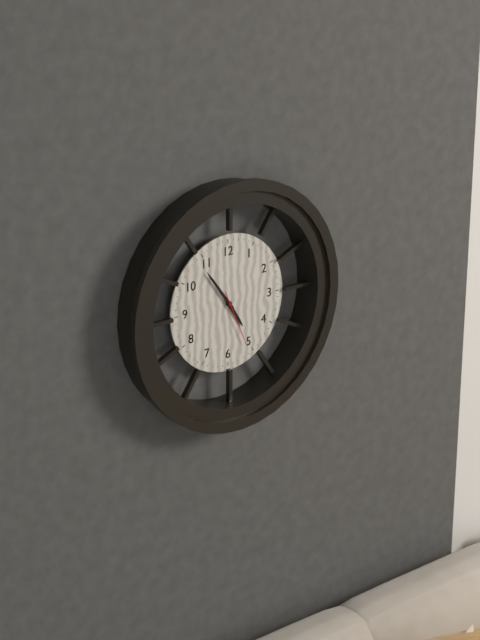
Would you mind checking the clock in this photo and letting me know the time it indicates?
4:54:26
